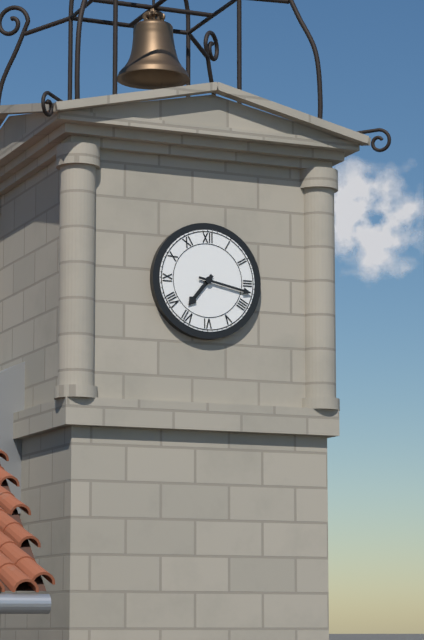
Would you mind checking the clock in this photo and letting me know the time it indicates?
7:17
